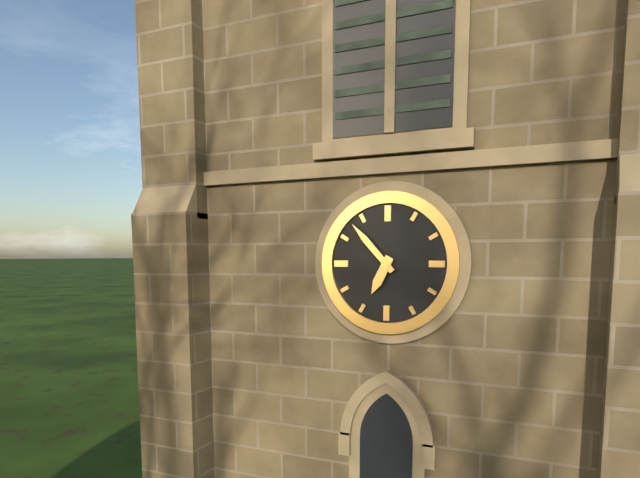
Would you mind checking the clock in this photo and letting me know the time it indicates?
6:53
